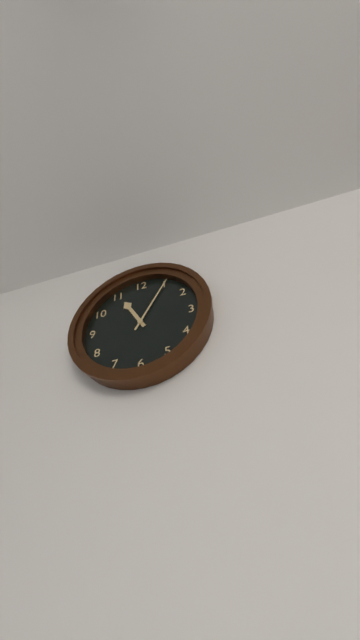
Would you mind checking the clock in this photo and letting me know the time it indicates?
11:05
